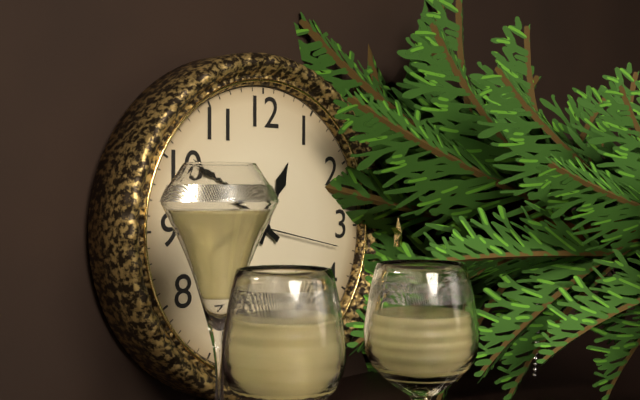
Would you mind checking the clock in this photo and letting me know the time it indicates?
12:51:17
